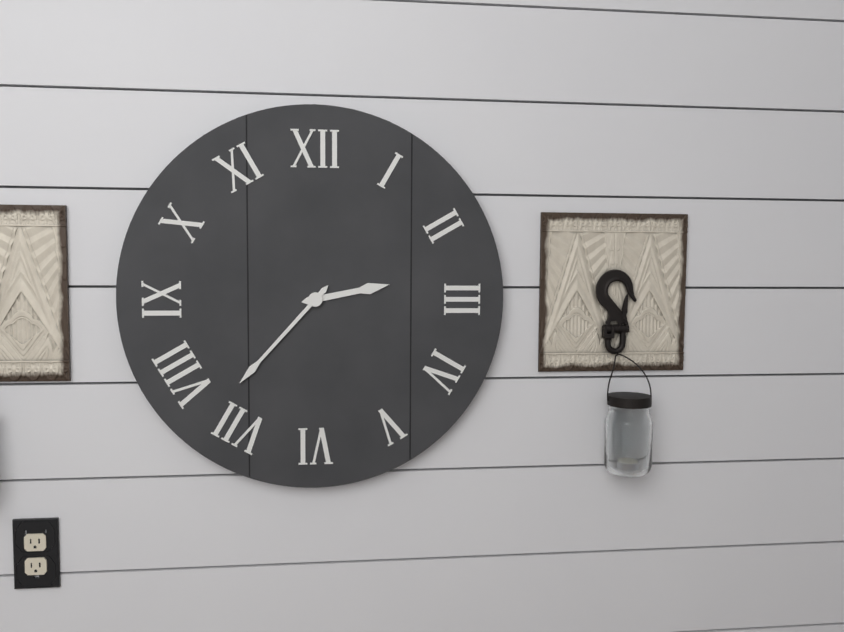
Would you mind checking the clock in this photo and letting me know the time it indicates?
2:37
